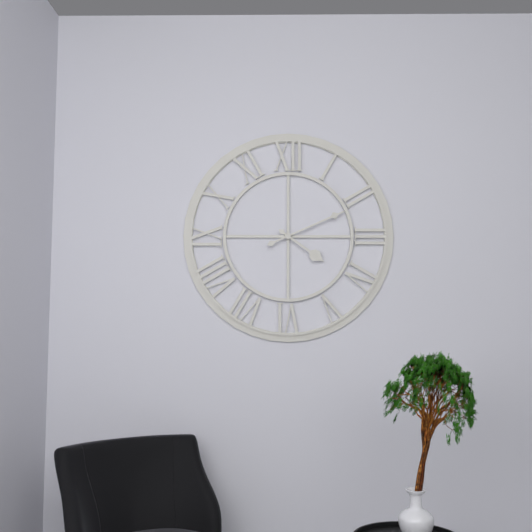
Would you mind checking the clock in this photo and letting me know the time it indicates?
4:11
